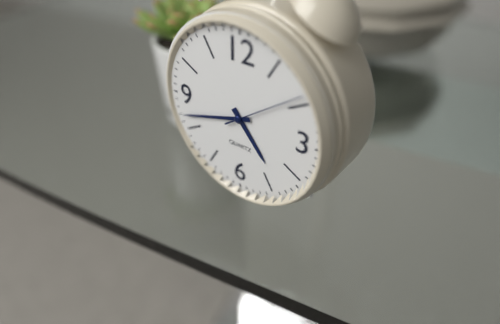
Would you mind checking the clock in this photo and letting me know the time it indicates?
4:42:09
